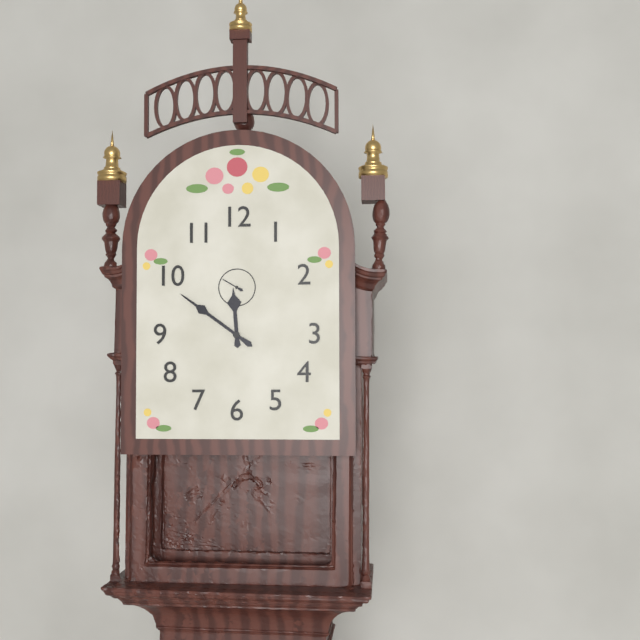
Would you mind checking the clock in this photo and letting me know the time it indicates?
11:51
